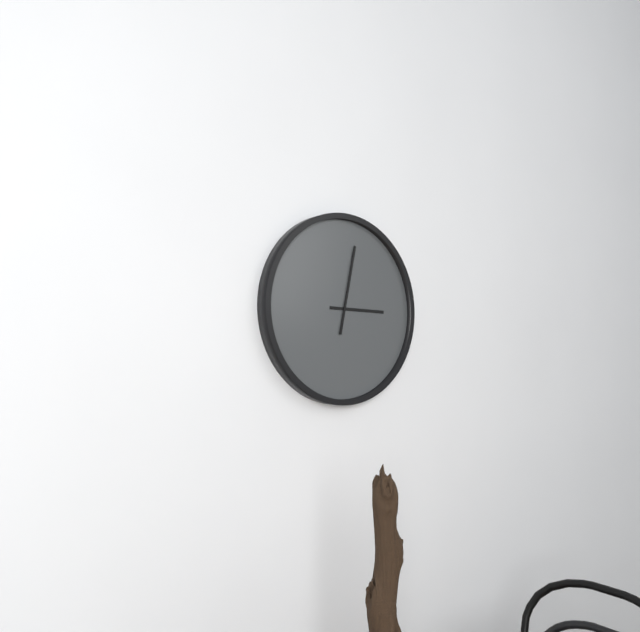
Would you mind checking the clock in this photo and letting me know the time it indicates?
3:02
